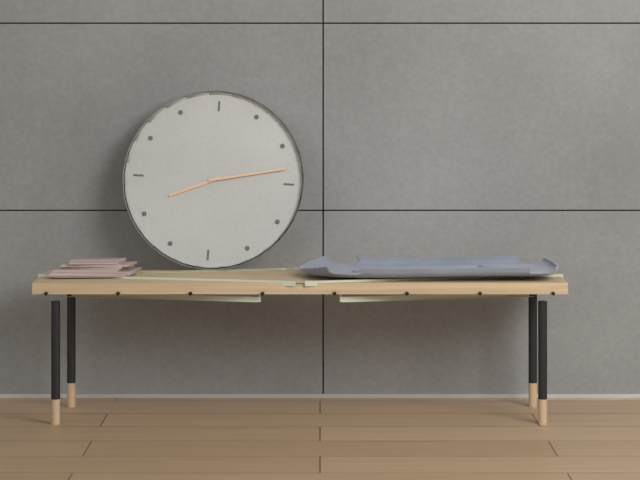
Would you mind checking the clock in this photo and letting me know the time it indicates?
8:13
